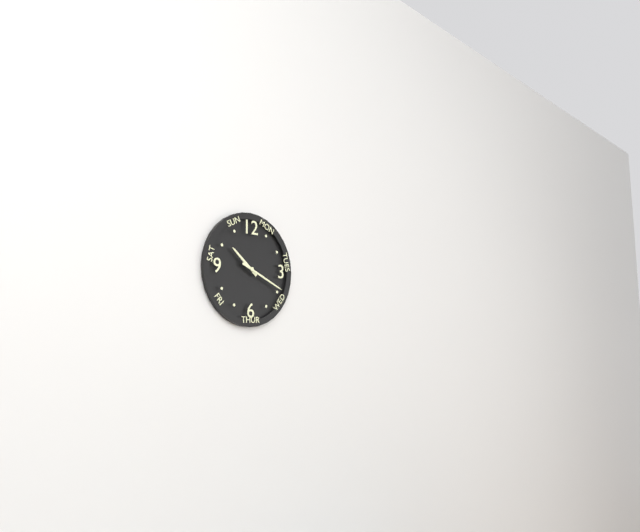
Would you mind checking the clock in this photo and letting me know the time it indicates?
10:19
